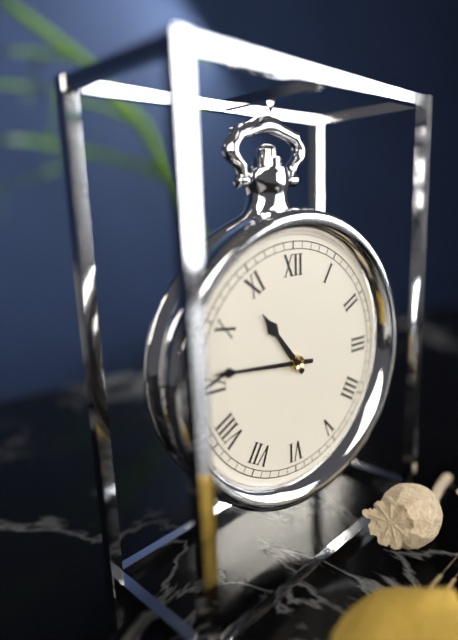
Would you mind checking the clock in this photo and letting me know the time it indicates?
10:46
